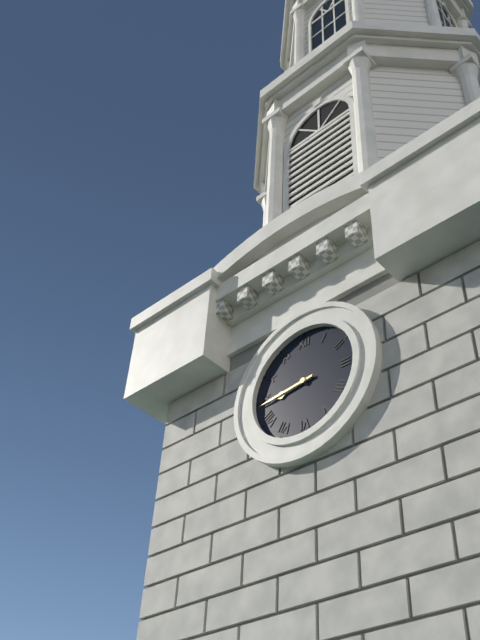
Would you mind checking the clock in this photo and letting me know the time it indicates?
8:44
